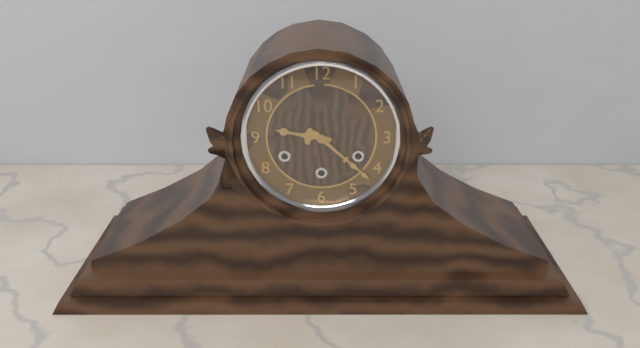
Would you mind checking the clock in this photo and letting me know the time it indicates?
9:22
